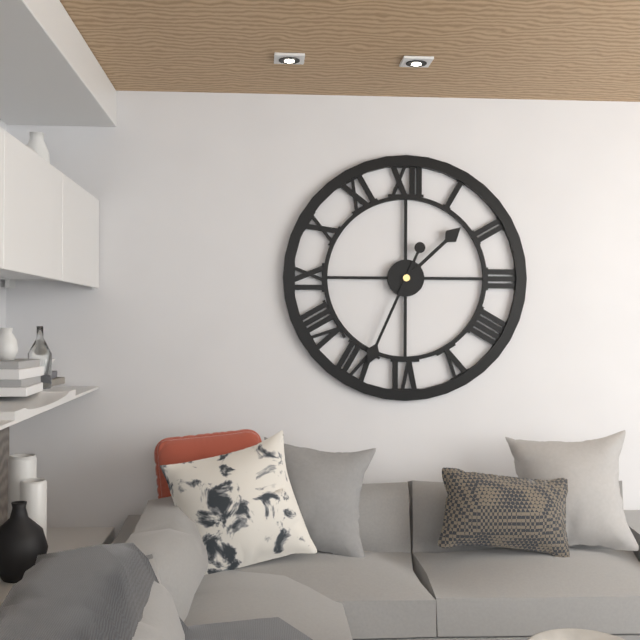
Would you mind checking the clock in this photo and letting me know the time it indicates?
1:34
